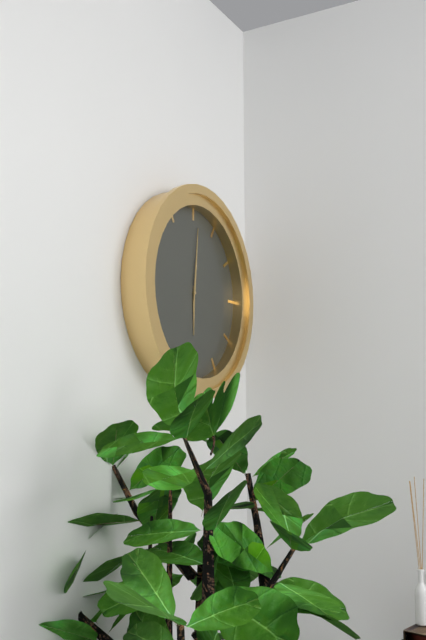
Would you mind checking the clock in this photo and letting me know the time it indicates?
6:01
